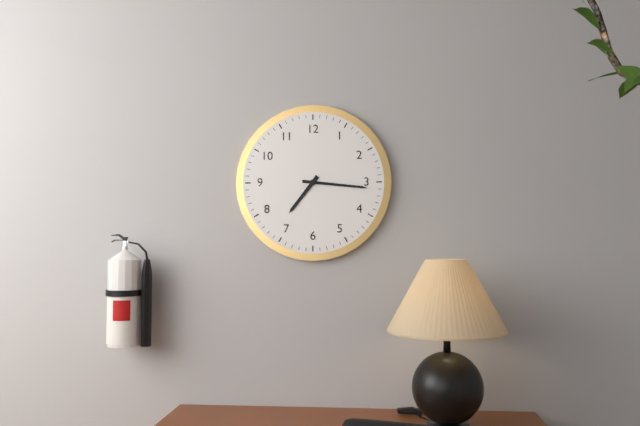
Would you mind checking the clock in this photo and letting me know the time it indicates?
7:16
